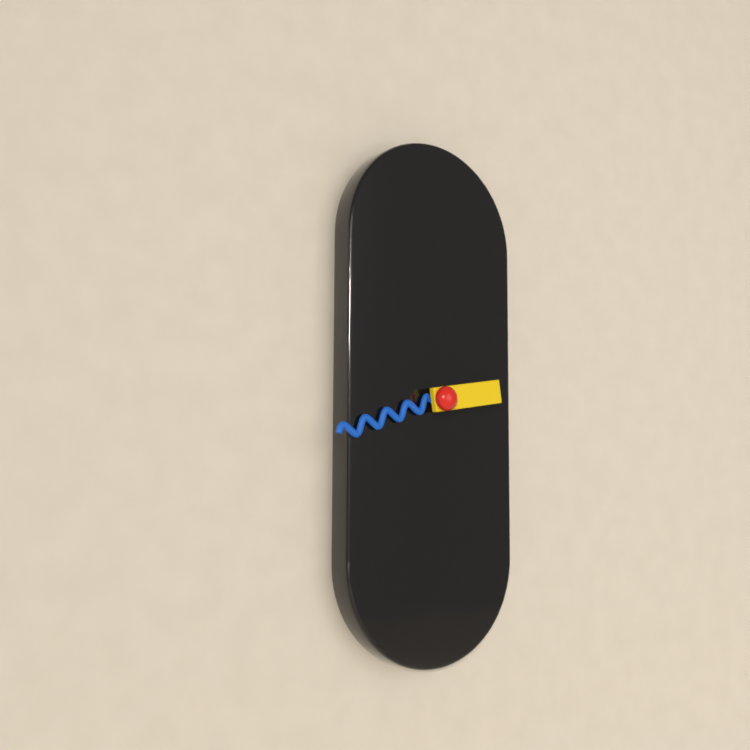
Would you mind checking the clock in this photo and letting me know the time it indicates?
2:42
